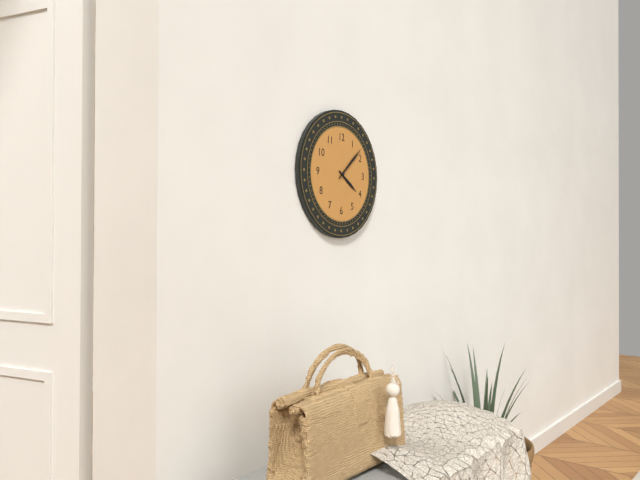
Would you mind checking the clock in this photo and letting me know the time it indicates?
4:08
